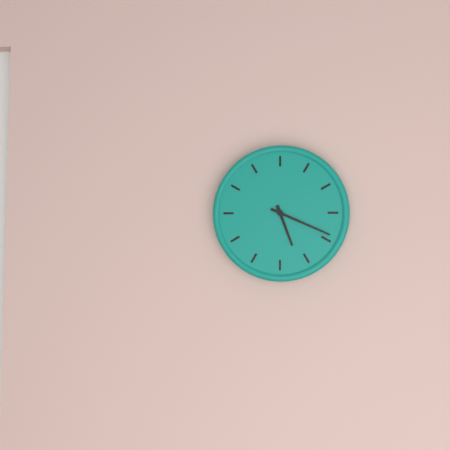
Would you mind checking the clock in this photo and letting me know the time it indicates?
5:19
